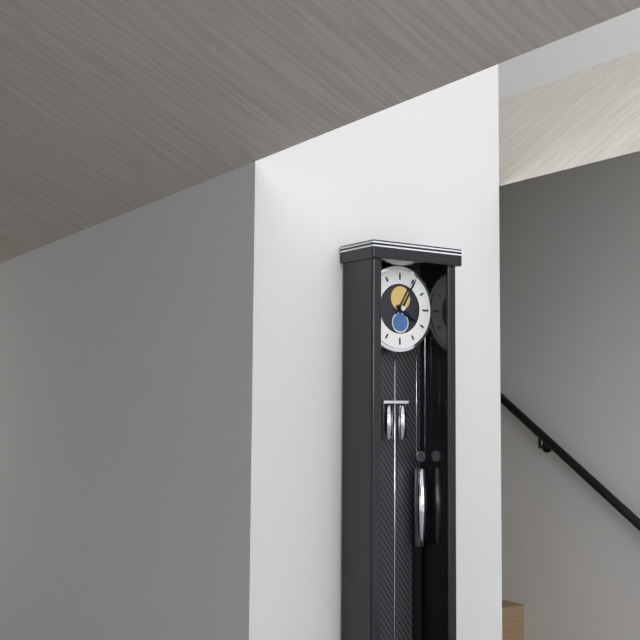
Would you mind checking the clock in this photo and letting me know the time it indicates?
4:05
